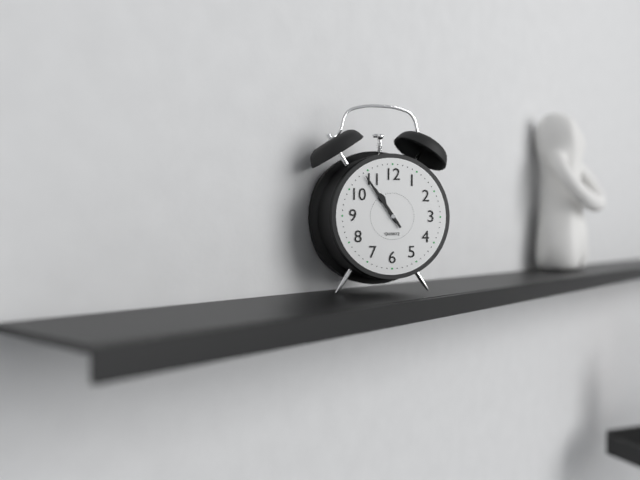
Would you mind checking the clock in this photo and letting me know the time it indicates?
10:54
